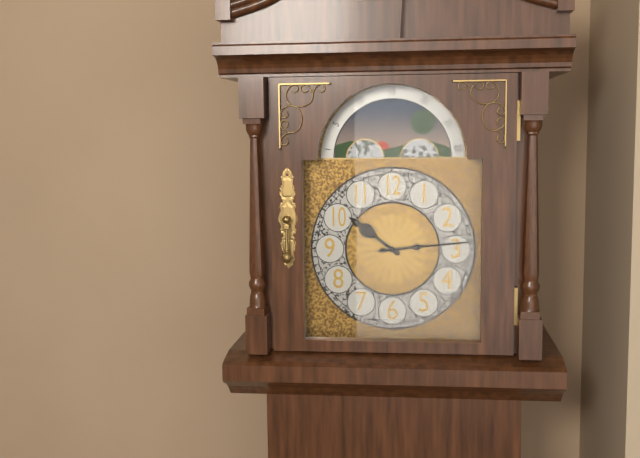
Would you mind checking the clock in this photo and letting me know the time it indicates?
10:14
